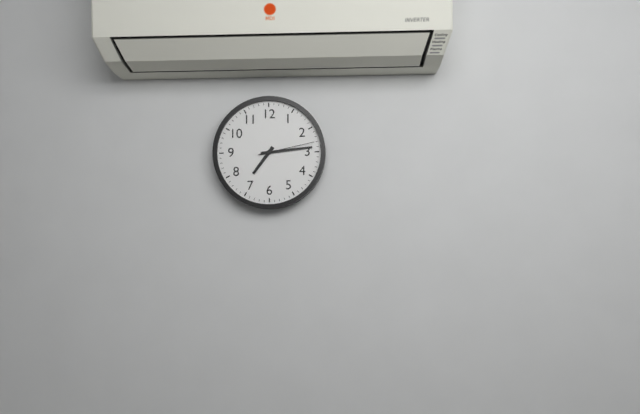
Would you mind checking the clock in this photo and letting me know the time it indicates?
7:14:13
